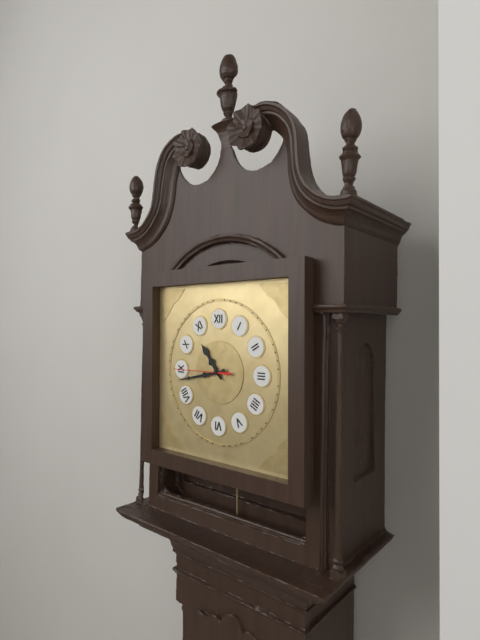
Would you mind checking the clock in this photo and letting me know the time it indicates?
10:43:45
